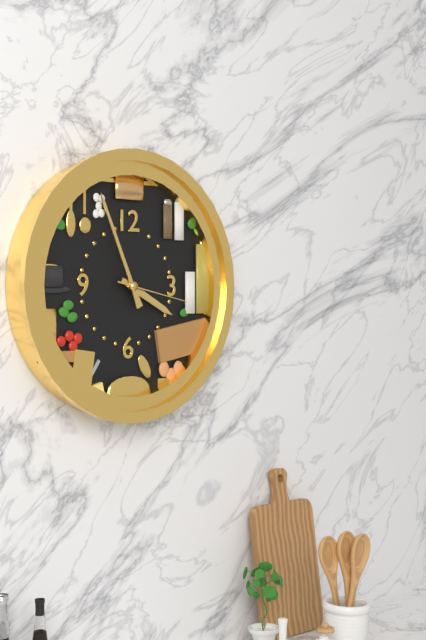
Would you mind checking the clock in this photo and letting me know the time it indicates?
3:56:17
